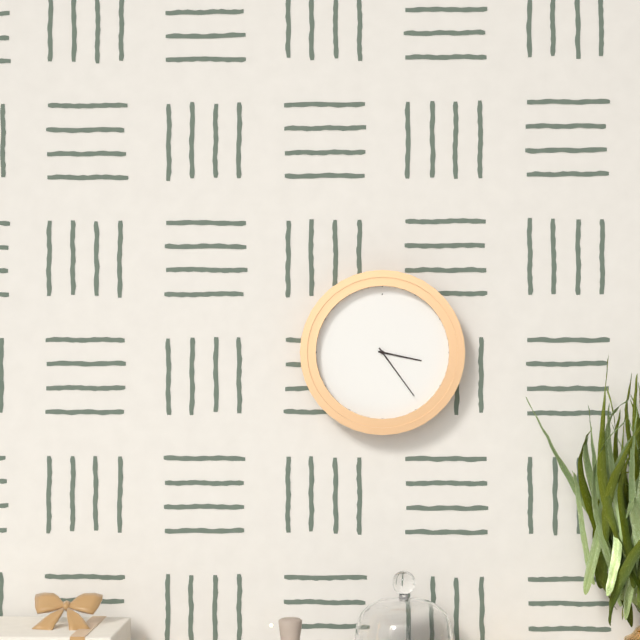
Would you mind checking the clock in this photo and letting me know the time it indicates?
3:24
